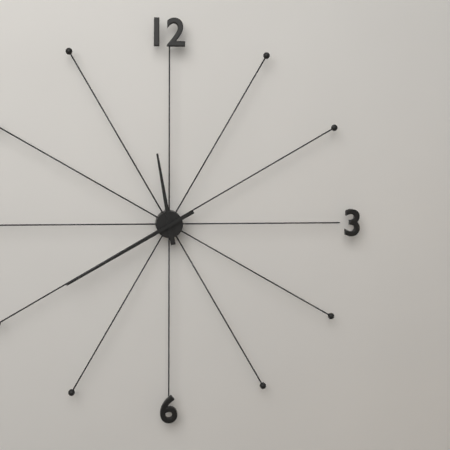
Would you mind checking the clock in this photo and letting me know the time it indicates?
11:40
